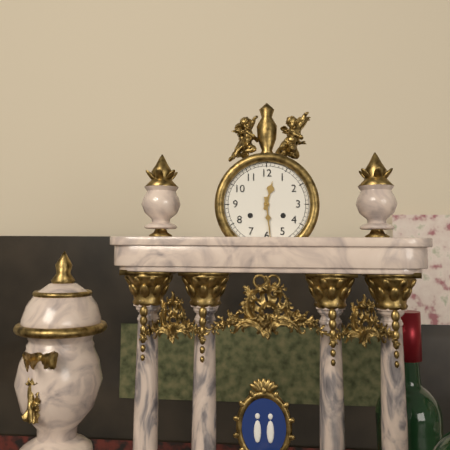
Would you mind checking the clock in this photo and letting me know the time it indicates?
12:29
